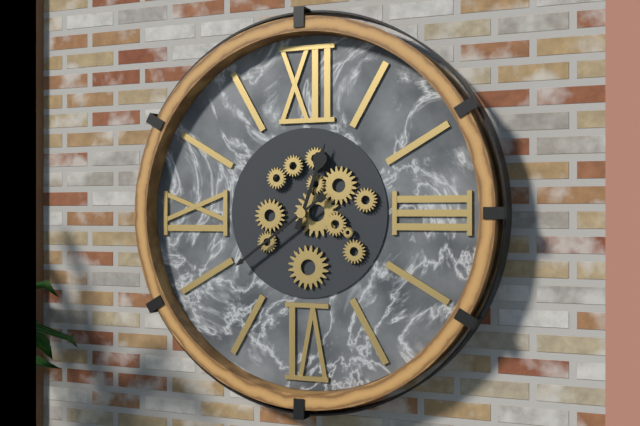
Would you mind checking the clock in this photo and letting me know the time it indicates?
12:39
